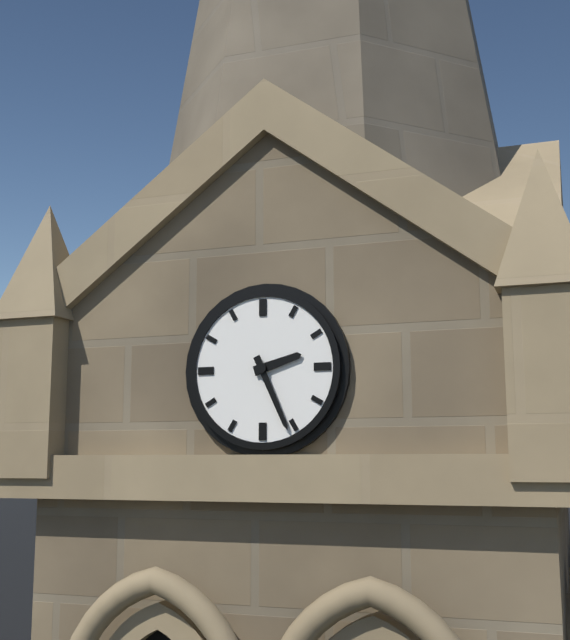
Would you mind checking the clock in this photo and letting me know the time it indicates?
2:26
